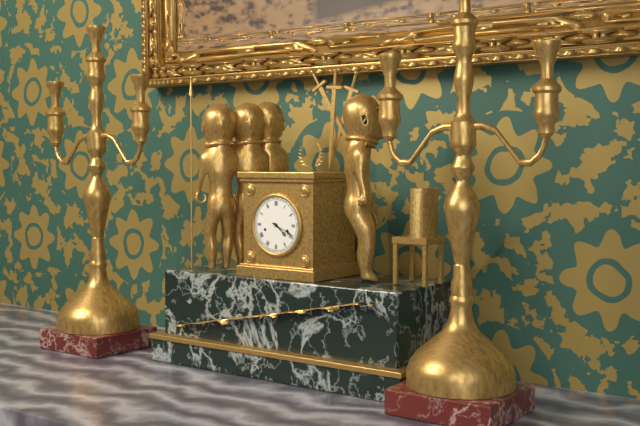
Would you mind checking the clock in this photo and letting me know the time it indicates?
4:19
